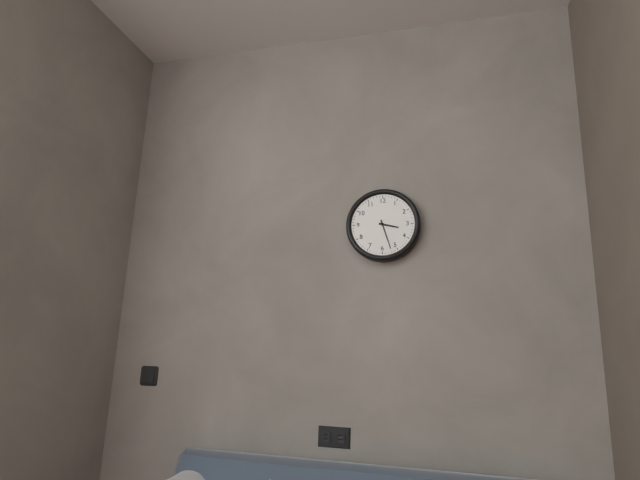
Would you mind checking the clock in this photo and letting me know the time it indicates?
3:27
